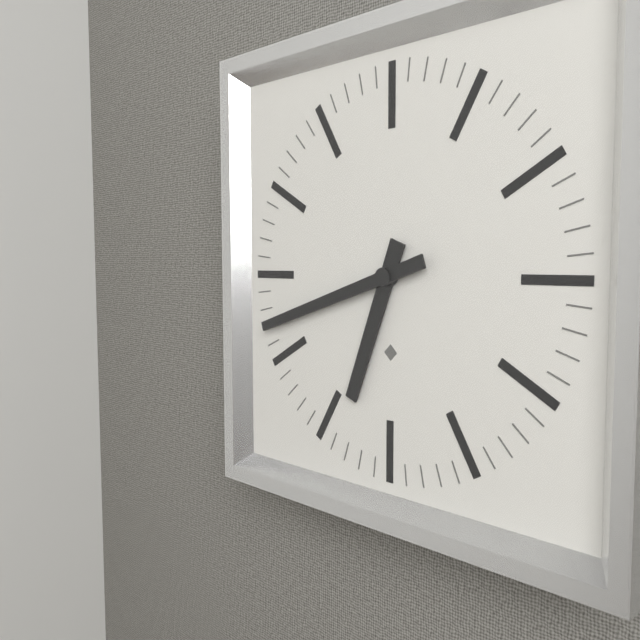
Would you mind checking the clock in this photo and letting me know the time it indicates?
6:42
